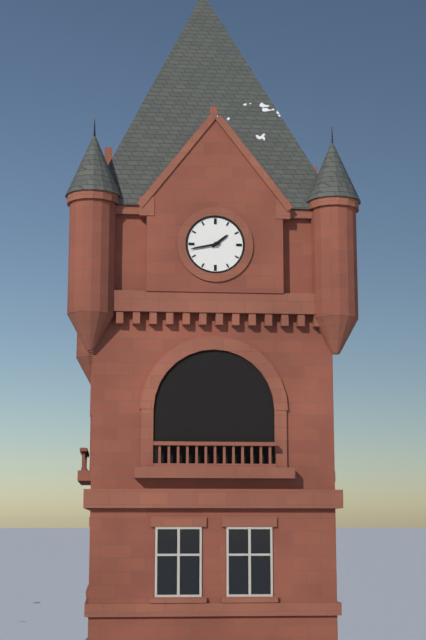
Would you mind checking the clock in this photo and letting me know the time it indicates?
1:43
